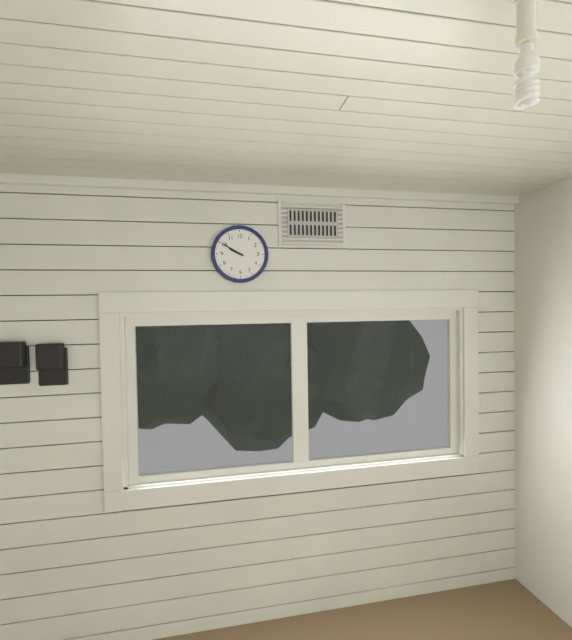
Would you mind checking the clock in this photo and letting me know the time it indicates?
9:50
